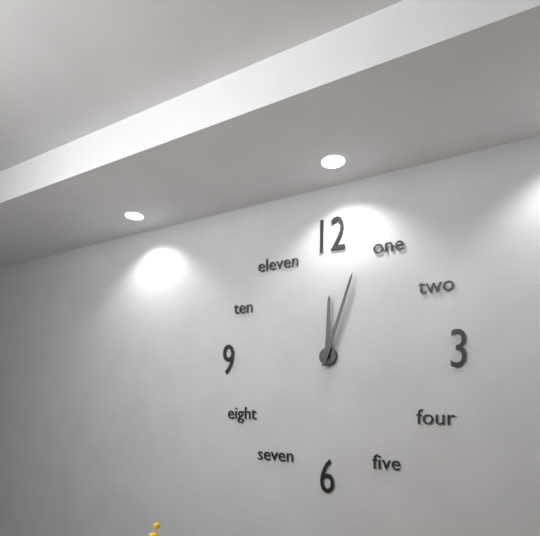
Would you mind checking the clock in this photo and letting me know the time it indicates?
12:03
